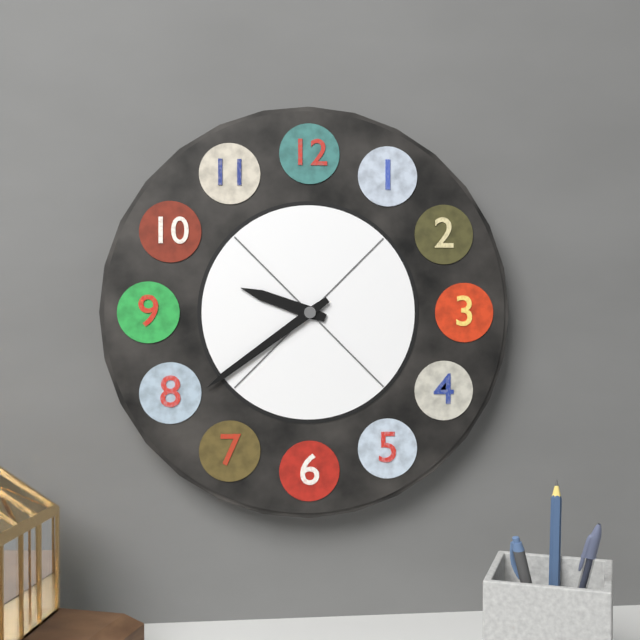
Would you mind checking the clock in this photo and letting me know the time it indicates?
9:39
